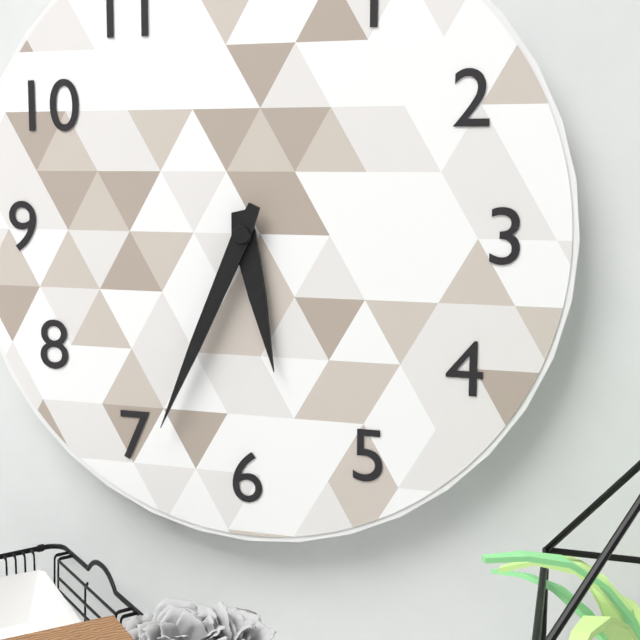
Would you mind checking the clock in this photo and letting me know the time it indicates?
5:34
